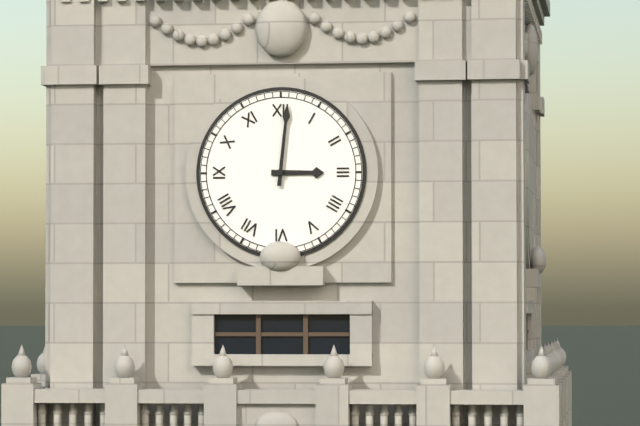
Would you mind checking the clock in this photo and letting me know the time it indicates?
3:01
